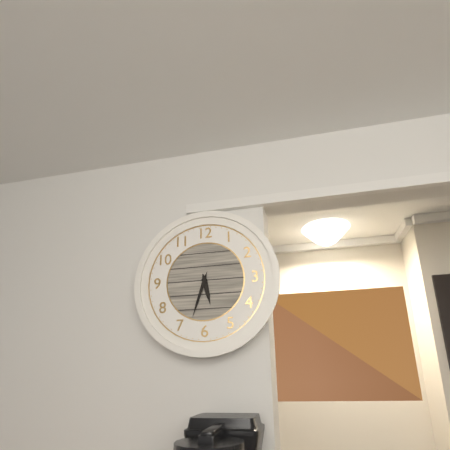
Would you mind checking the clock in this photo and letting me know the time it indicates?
5:33
